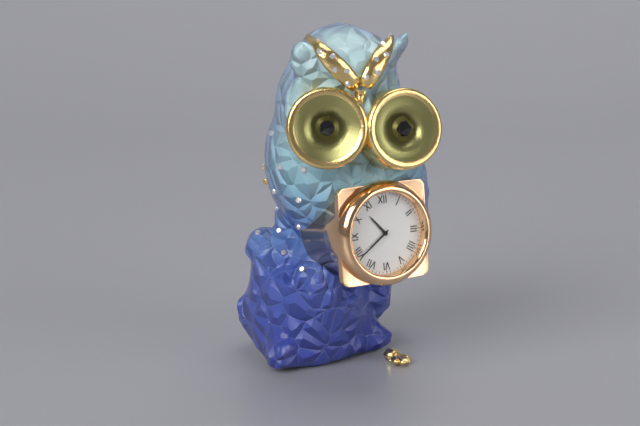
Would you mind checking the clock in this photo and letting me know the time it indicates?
10:39
